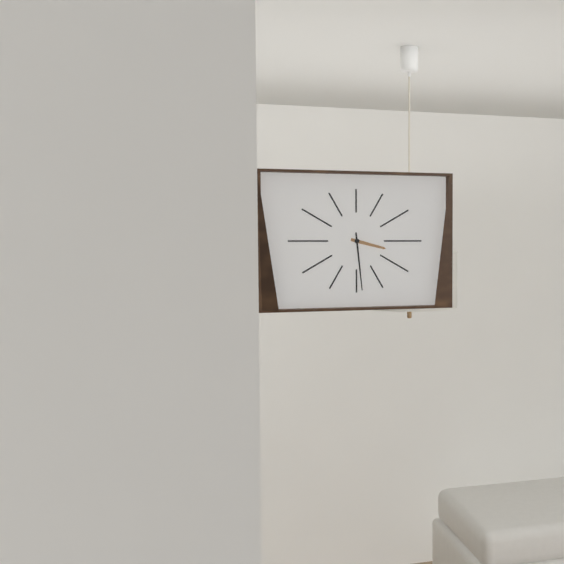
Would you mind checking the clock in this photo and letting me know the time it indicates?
3:29
